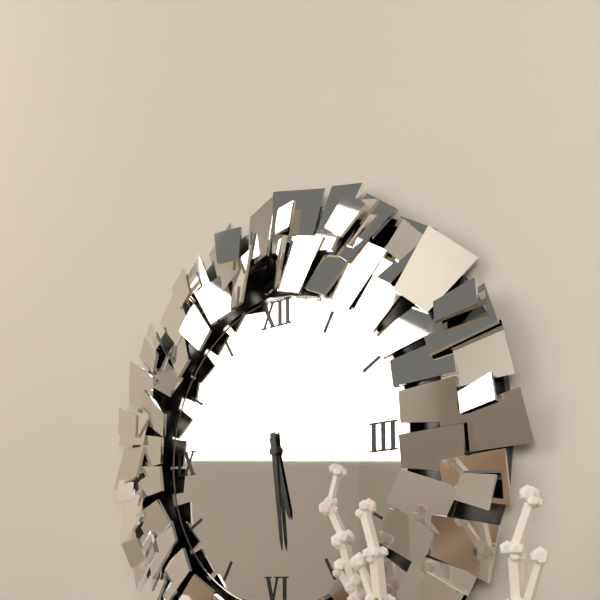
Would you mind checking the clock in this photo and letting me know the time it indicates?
5:29
